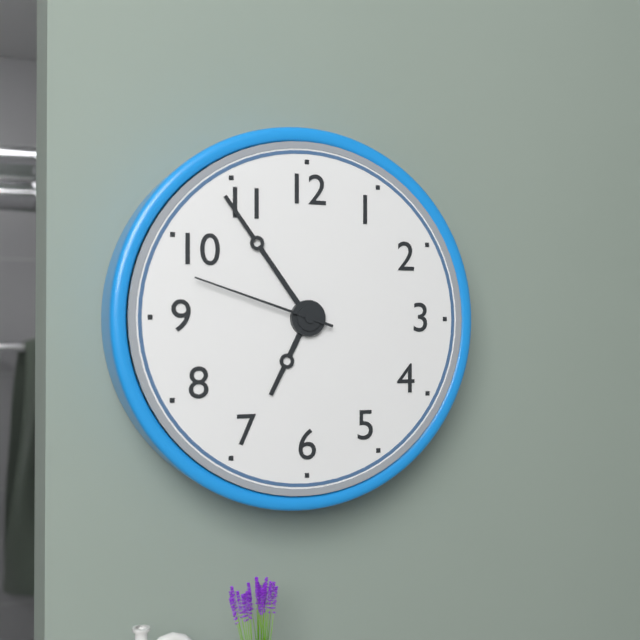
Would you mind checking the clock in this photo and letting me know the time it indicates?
6:54:48
